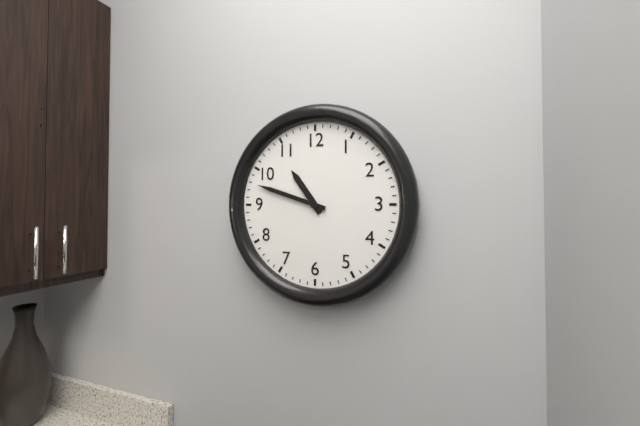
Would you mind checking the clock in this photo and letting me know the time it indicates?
10:48
